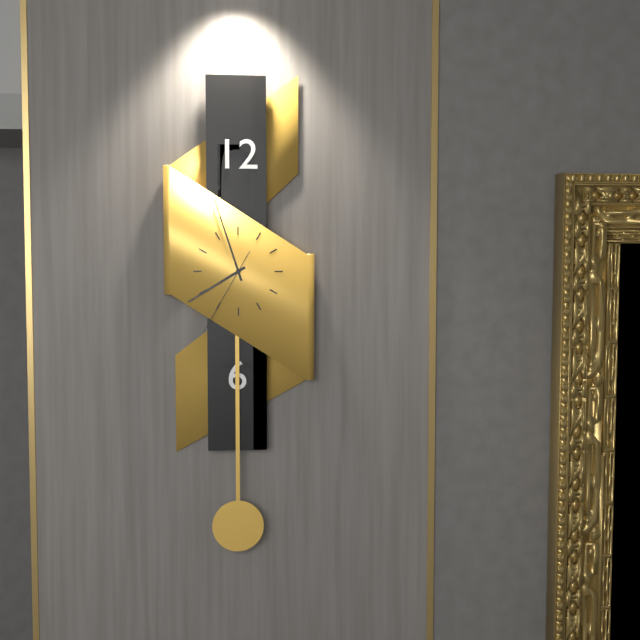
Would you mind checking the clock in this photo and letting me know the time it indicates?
7:57:35
